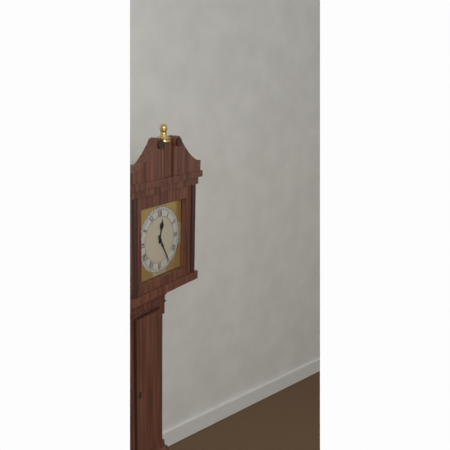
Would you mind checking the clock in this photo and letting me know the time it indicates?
12:25
